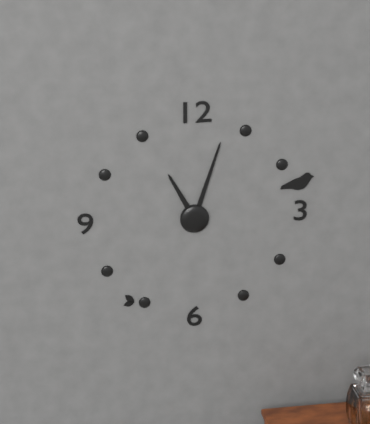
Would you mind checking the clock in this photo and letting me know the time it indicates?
11:03
